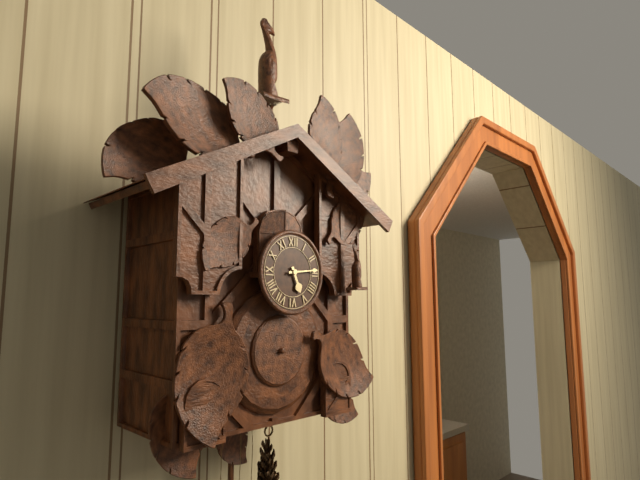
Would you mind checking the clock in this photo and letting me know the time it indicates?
5:14
